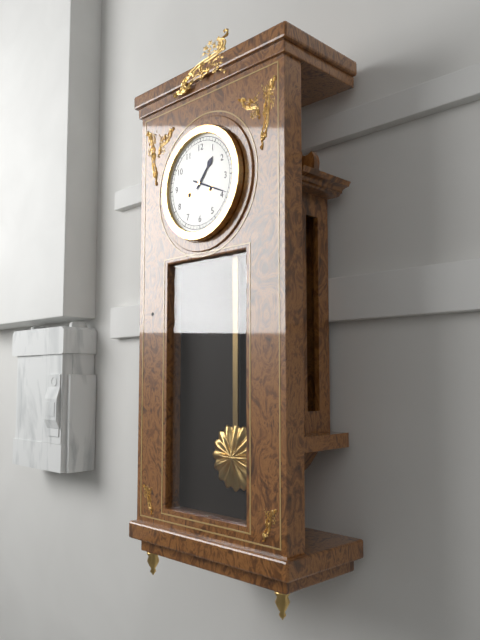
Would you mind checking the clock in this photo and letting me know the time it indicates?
1:19
